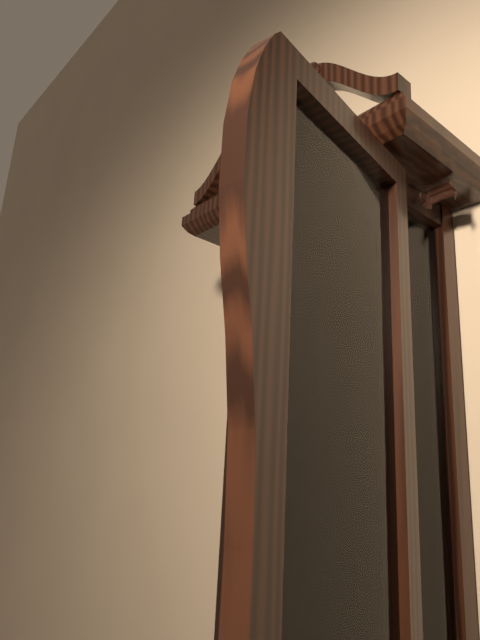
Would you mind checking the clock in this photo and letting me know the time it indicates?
7:03
